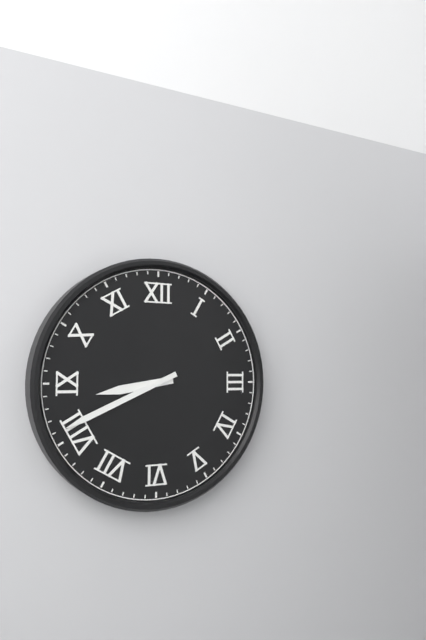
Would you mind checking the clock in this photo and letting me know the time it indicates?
8:41
